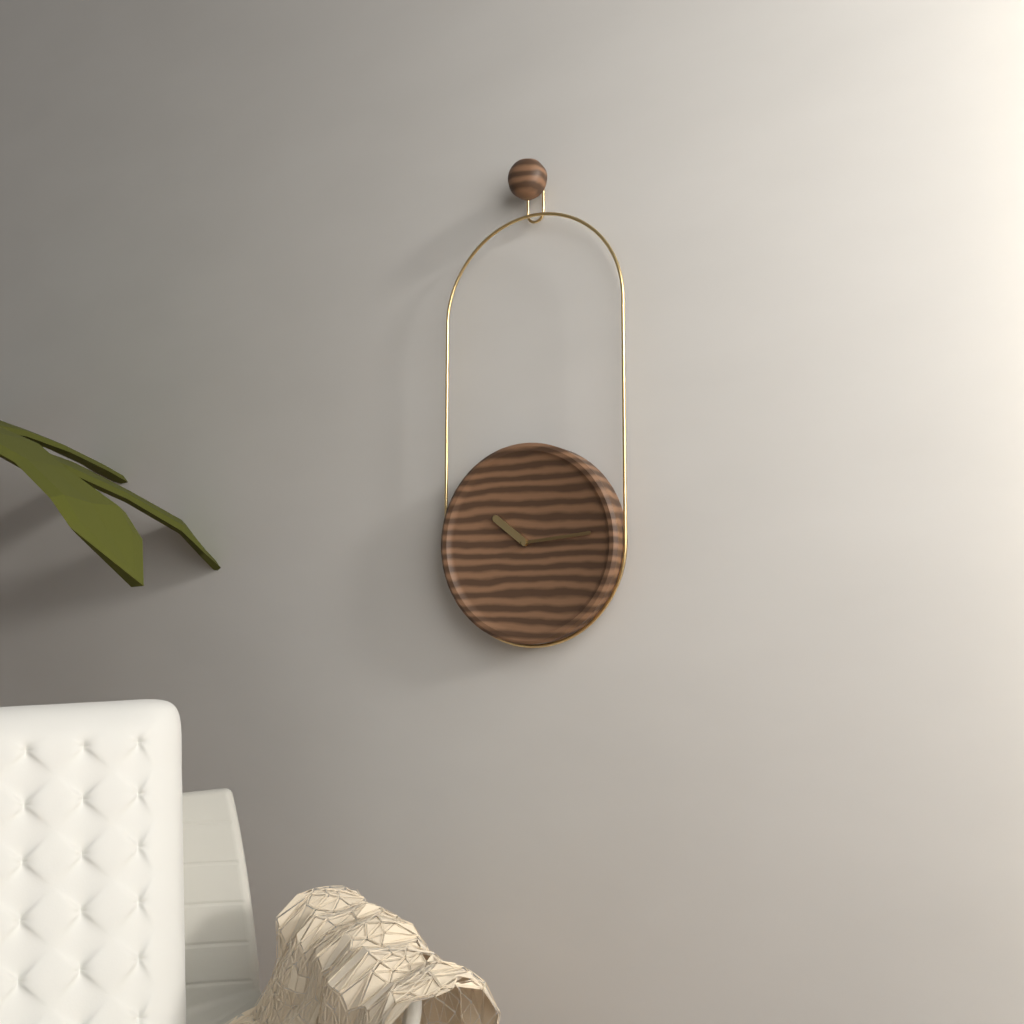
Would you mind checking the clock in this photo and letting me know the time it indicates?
10:14
